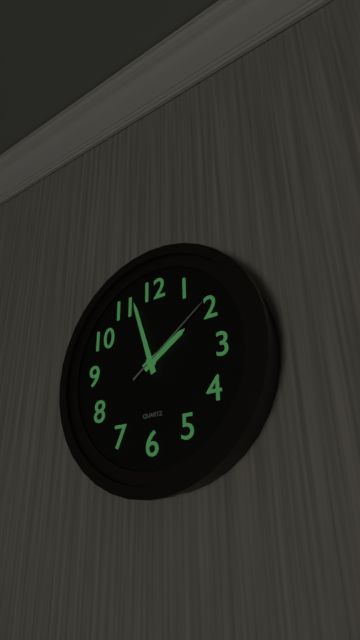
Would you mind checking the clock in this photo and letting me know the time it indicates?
1:57:09
